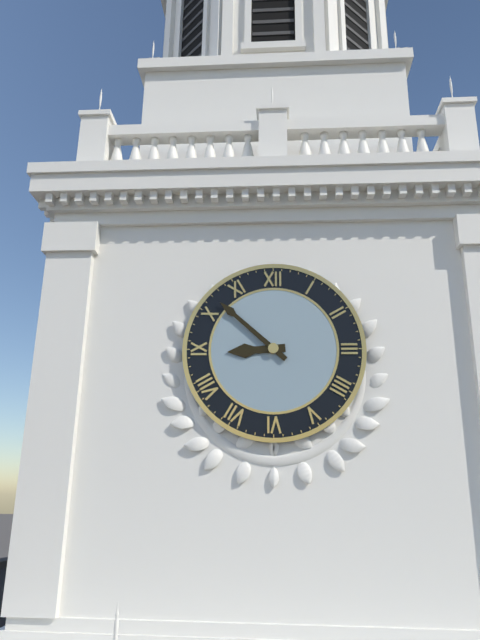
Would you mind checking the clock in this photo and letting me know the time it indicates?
8:52
